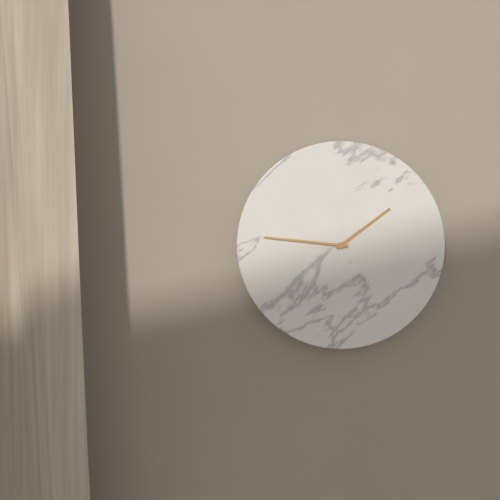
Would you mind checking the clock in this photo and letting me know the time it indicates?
1:46
